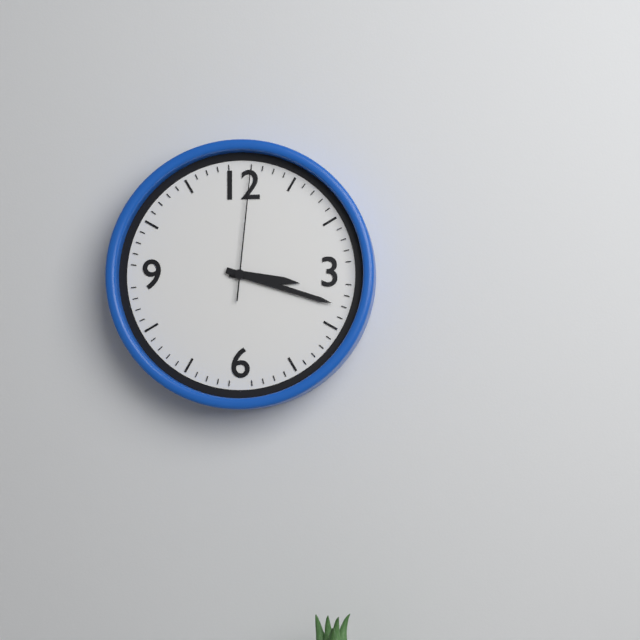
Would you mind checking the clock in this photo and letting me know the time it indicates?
3:18:01
